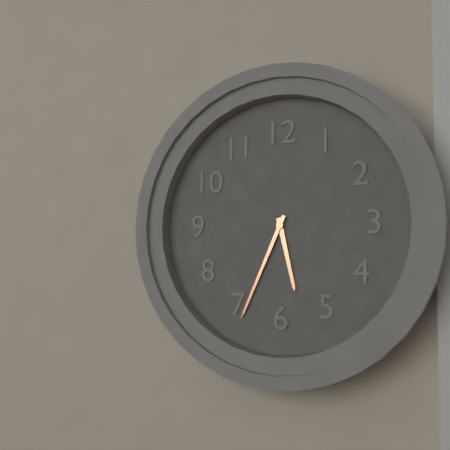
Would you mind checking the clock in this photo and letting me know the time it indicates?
5:34
